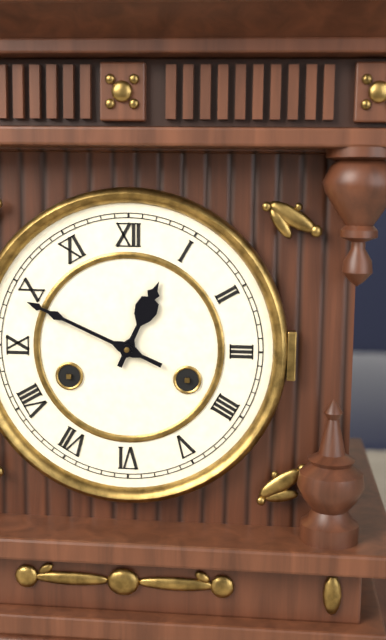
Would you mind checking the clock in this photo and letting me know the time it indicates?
12:49
